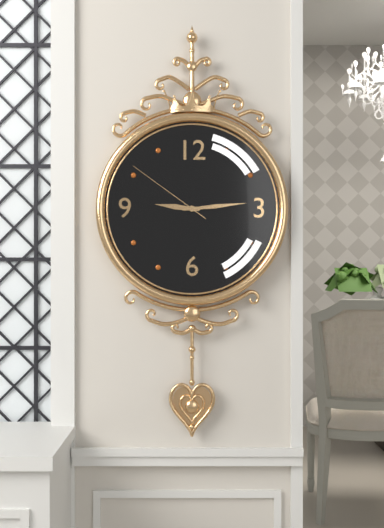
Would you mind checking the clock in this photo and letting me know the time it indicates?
9:14:51
